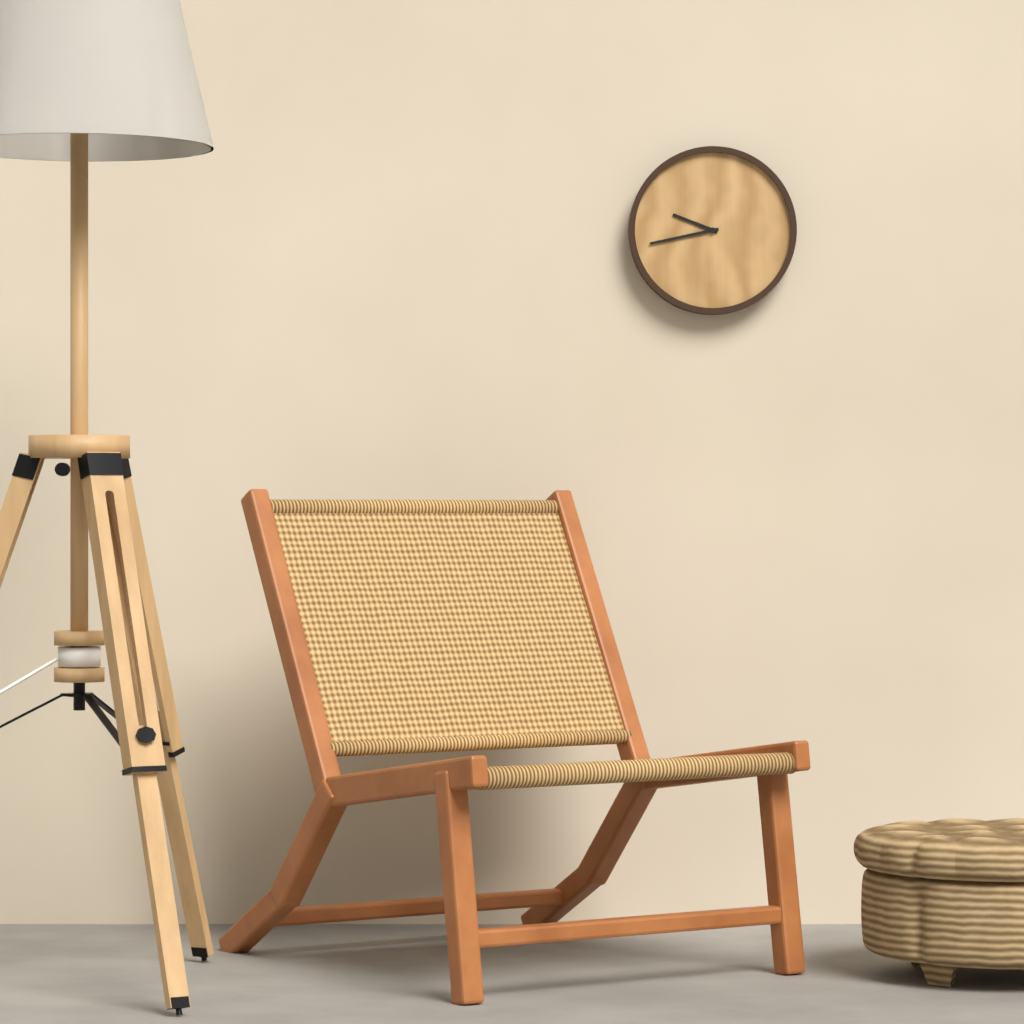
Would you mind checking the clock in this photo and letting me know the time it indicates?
9:43
